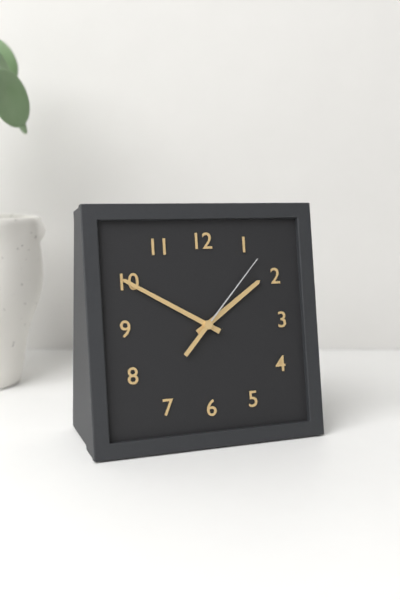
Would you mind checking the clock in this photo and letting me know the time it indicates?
1:50:07
